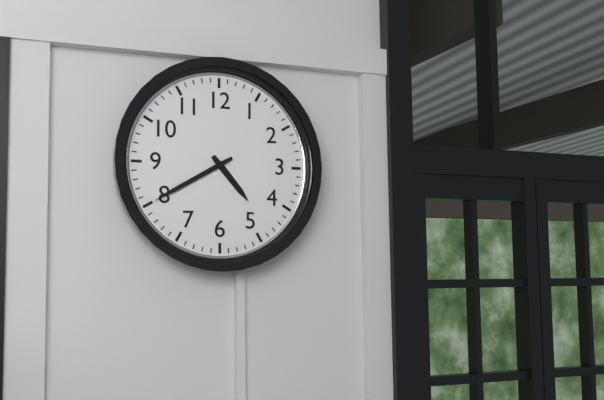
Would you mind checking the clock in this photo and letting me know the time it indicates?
4:40
